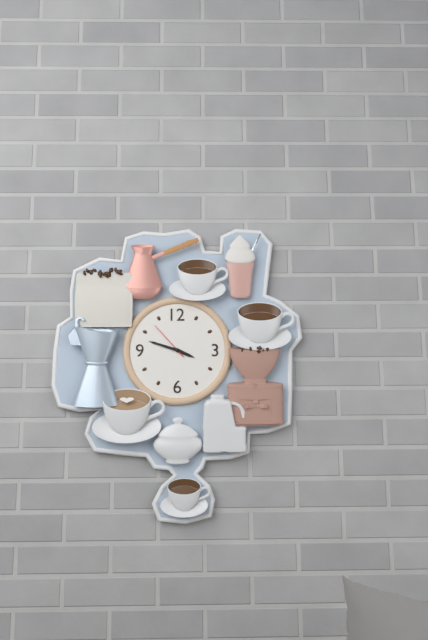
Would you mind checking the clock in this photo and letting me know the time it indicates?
3:48
